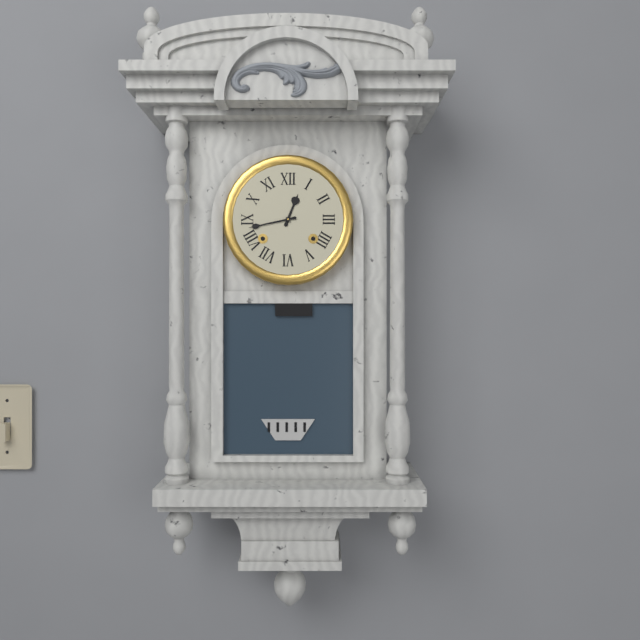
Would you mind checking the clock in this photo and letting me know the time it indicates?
12:43
